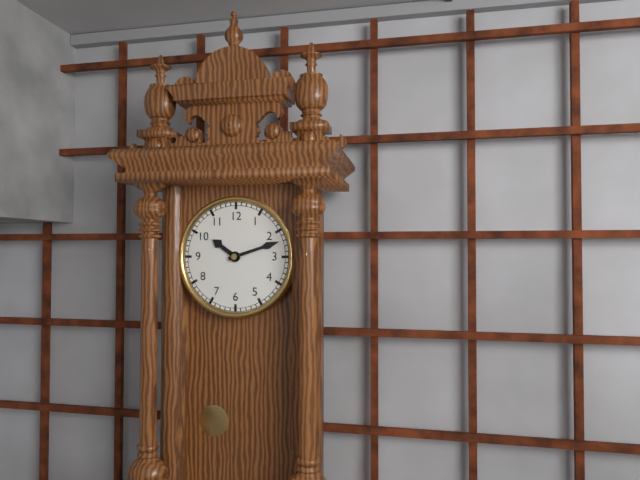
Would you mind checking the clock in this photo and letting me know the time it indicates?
10:12
